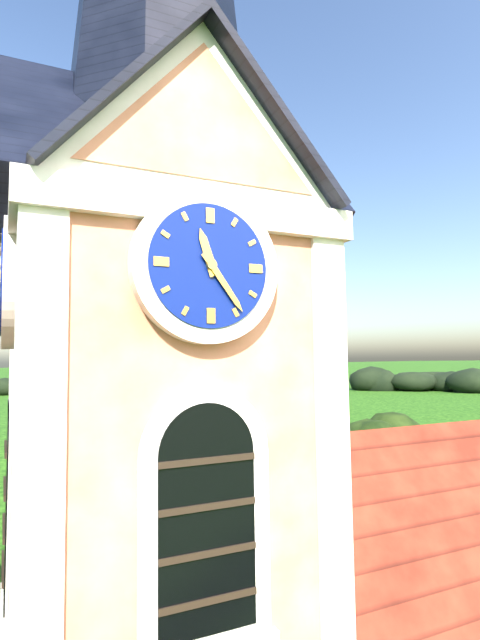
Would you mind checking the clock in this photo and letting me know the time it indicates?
11:24
